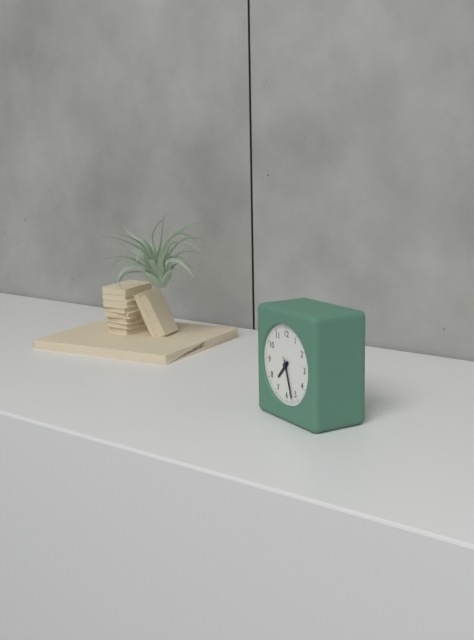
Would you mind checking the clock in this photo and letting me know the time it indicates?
7:27:27
